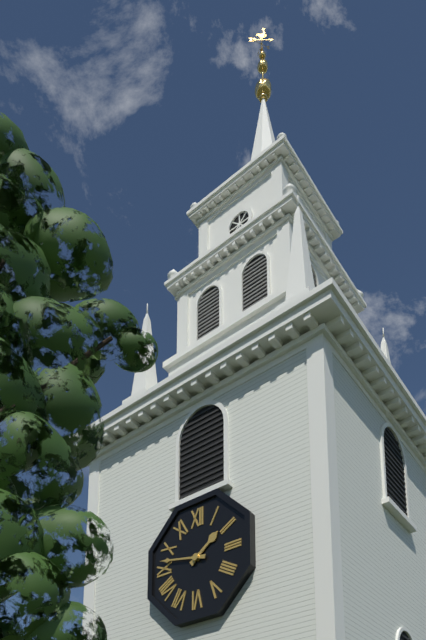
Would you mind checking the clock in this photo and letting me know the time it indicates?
1:47
